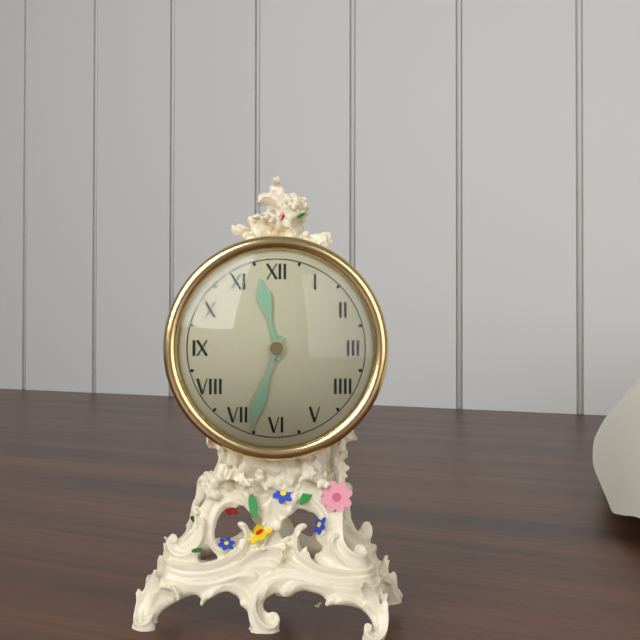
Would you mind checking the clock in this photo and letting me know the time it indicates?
11:33
